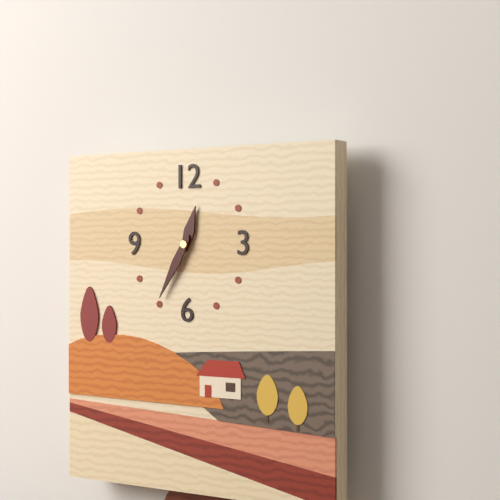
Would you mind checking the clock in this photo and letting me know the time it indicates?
12:35
